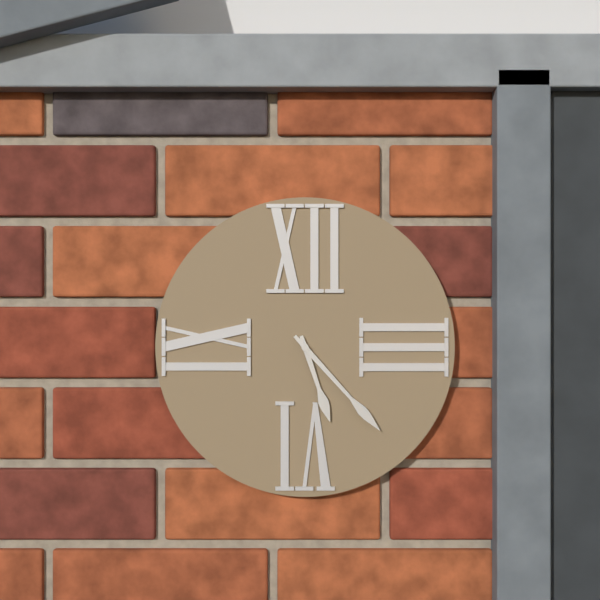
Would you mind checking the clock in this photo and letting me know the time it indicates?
5:23
